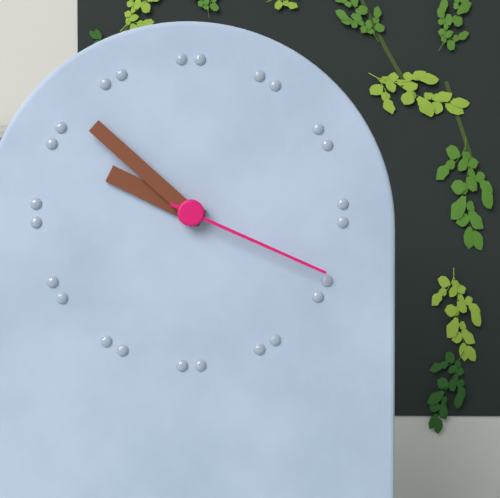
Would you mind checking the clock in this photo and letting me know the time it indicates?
9:52:19
